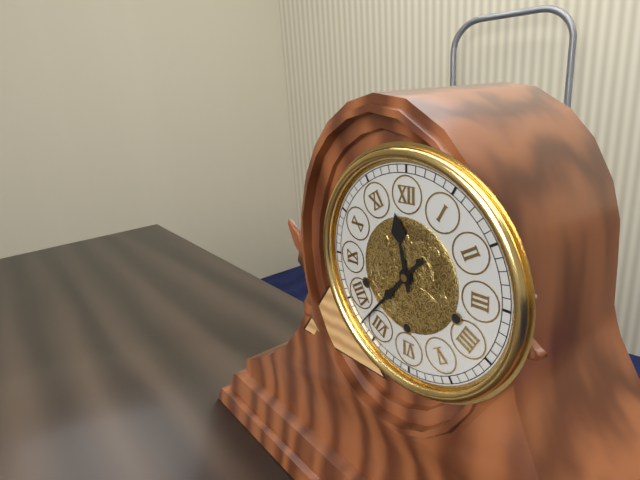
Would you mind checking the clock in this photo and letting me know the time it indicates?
11:37
